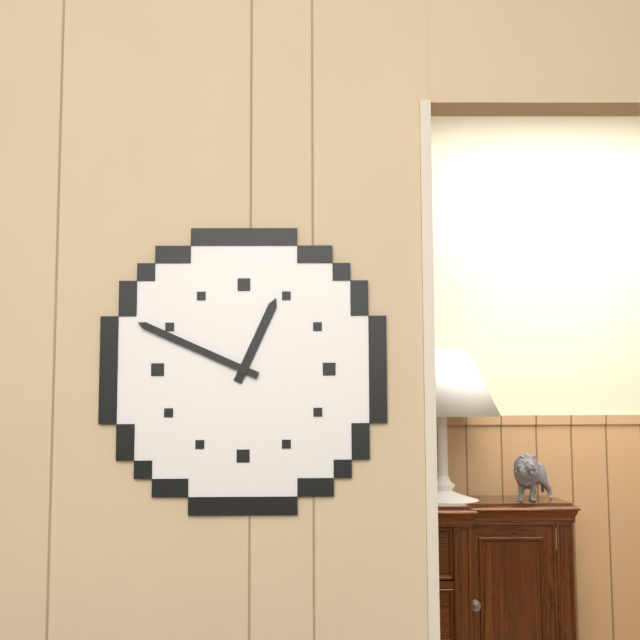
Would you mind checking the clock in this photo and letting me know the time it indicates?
12:49
